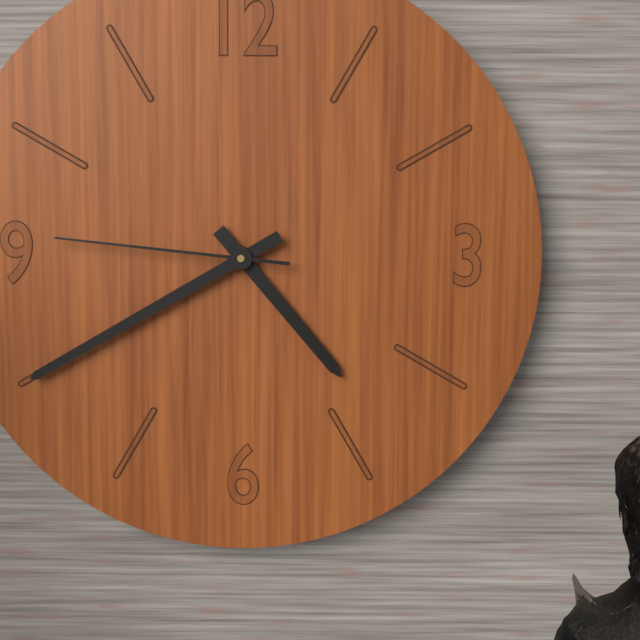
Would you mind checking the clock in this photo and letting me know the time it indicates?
4:40:46
